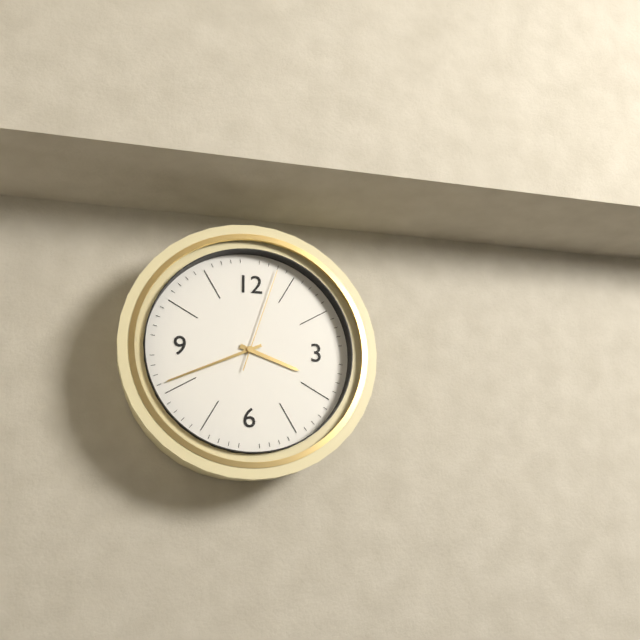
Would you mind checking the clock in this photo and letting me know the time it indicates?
3:41:03
